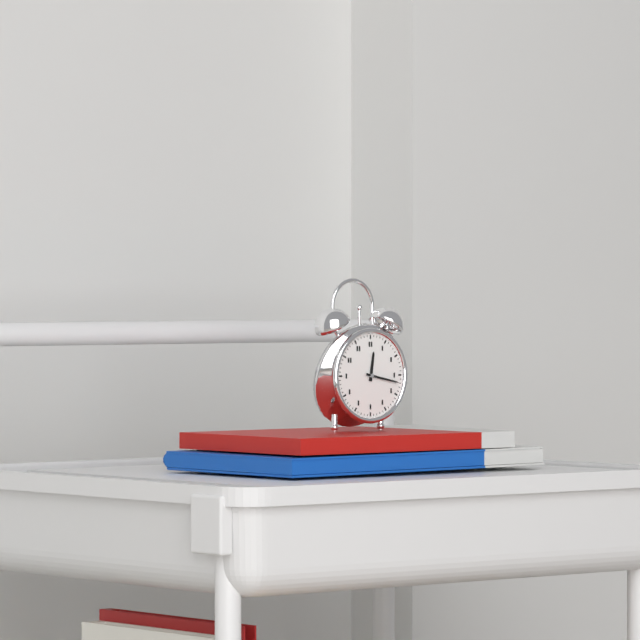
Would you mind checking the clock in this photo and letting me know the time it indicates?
12:17
